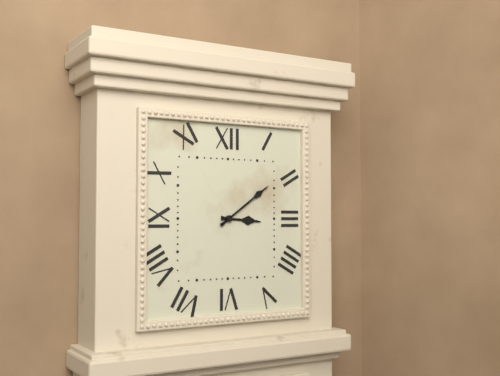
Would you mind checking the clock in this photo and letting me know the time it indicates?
3:09
